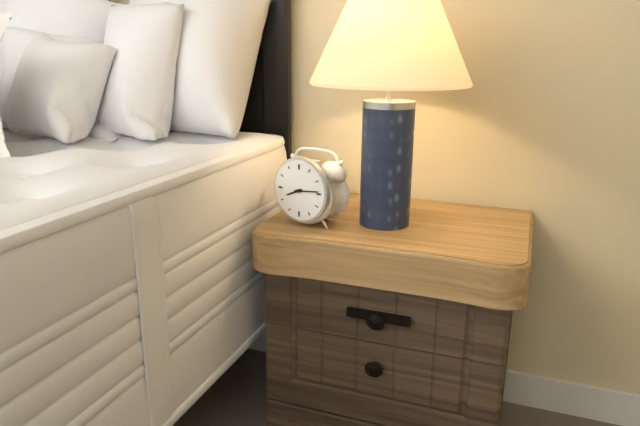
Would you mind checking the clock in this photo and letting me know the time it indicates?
8:14
